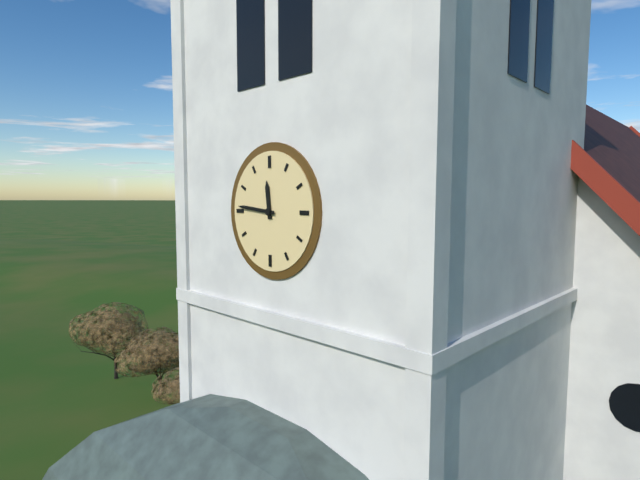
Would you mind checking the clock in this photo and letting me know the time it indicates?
11:46
